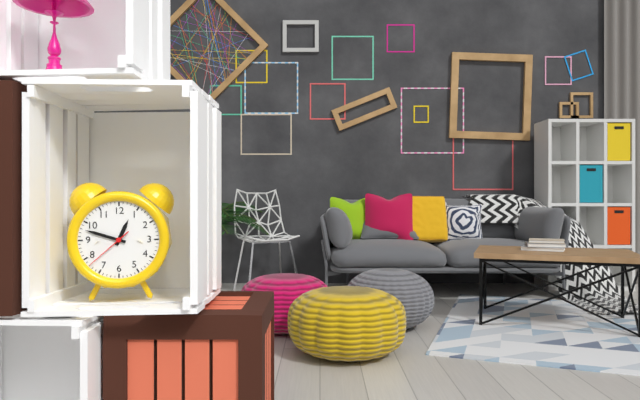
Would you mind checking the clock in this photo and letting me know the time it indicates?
12:48
